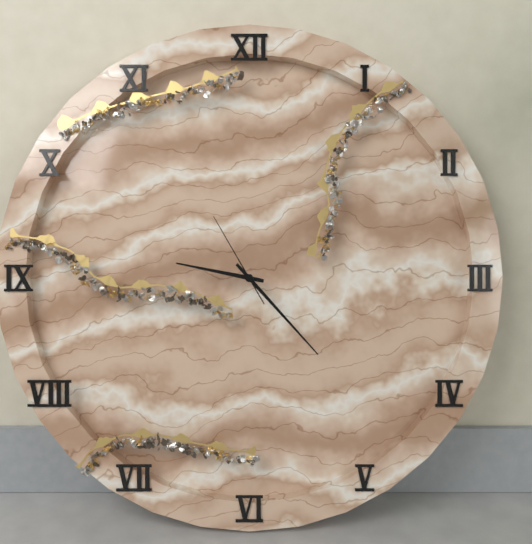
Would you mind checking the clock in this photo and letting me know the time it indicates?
9:23:55
